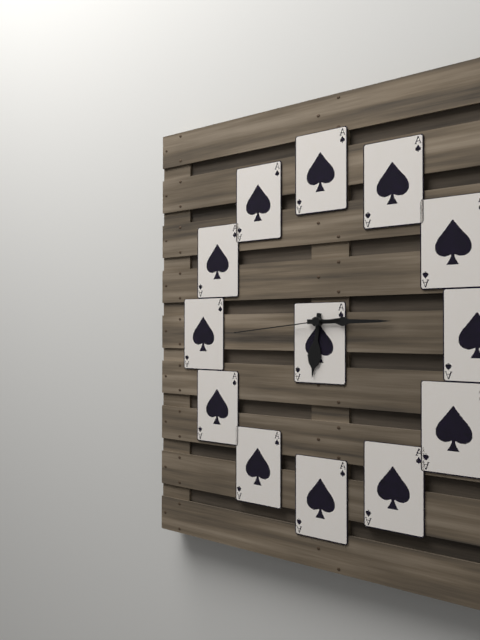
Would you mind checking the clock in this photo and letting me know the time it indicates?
6:15:44
